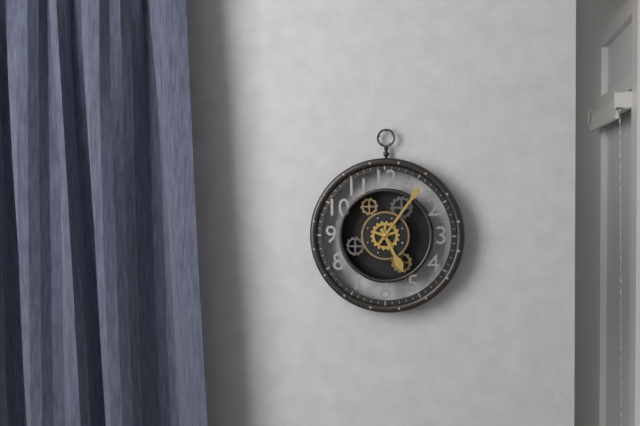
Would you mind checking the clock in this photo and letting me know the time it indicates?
5:06
